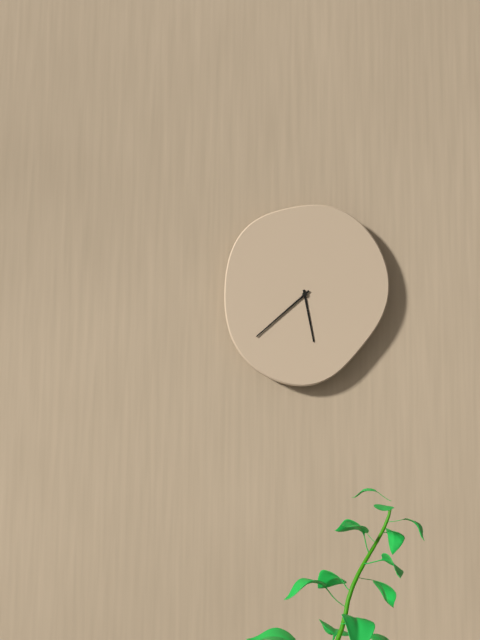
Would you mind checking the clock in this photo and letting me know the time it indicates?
5:38
